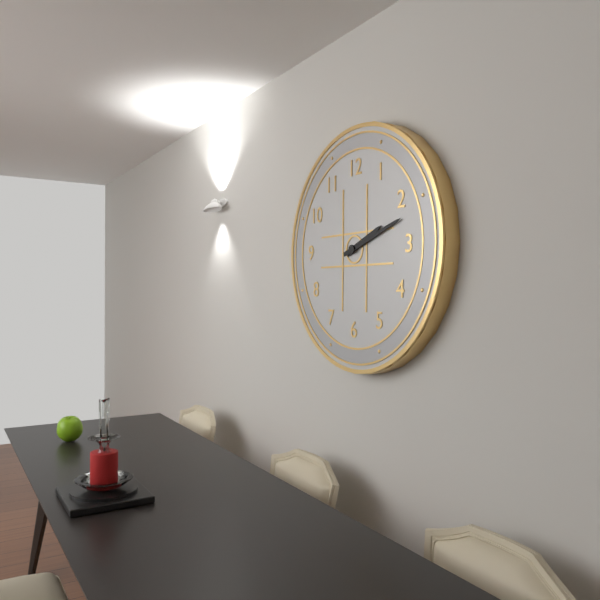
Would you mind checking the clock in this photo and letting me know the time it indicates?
2:12
